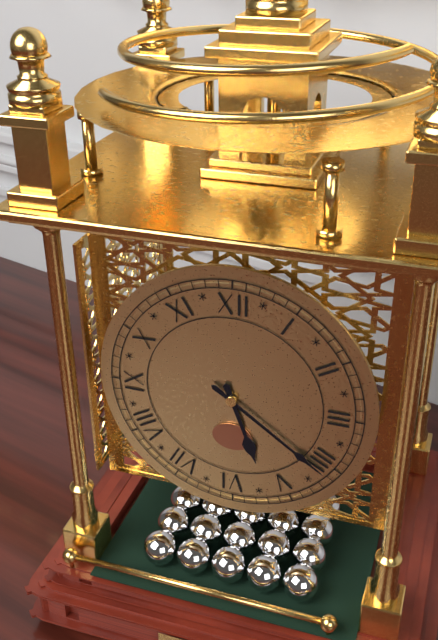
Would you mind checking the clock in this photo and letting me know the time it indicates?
5:21
